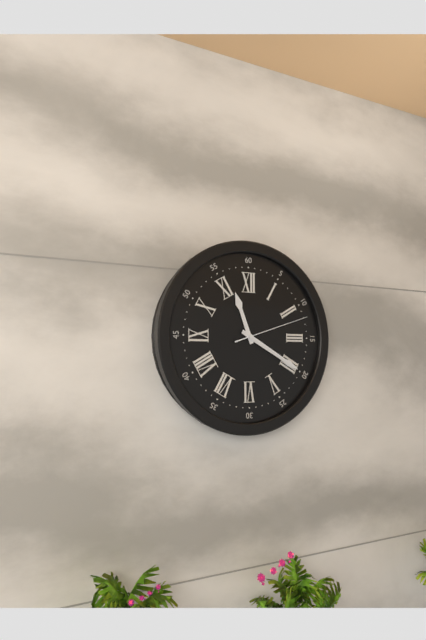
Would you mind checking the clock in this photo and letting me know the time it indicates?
11:20:12
